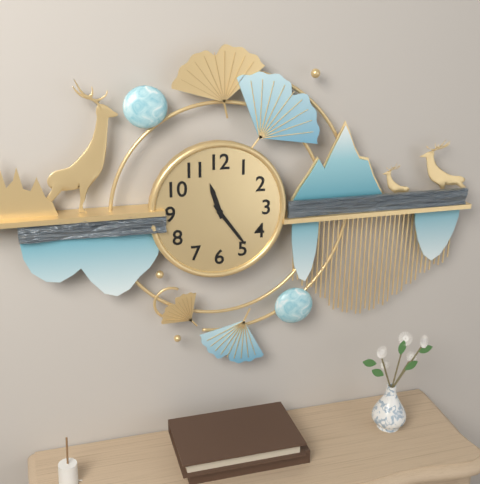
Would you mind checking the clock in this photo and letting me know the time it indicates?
11:24
